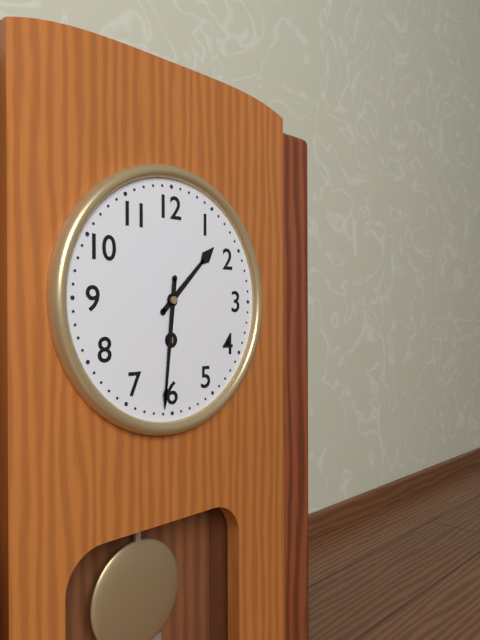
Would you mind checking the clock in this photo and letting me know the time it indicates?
1:31
